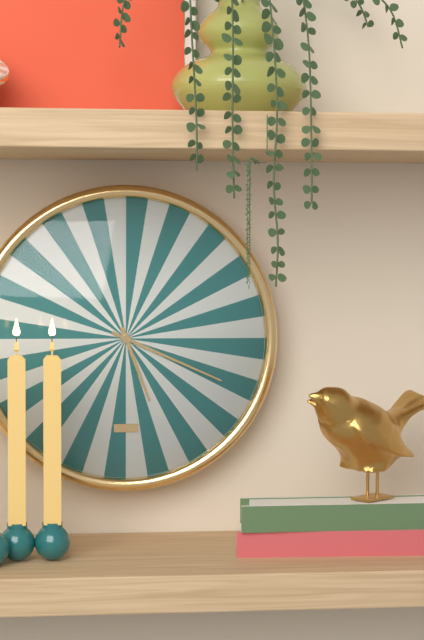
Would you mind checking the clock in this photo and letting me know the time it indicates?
5:19
